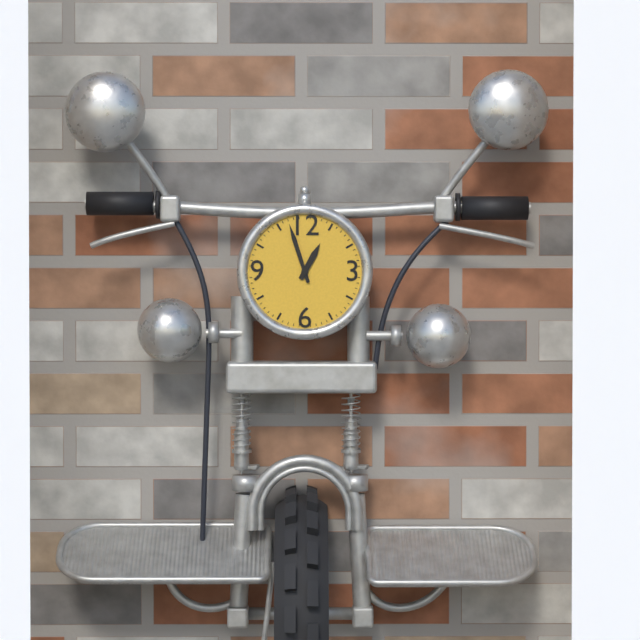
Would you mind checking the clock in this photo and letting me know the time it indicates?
12:57
